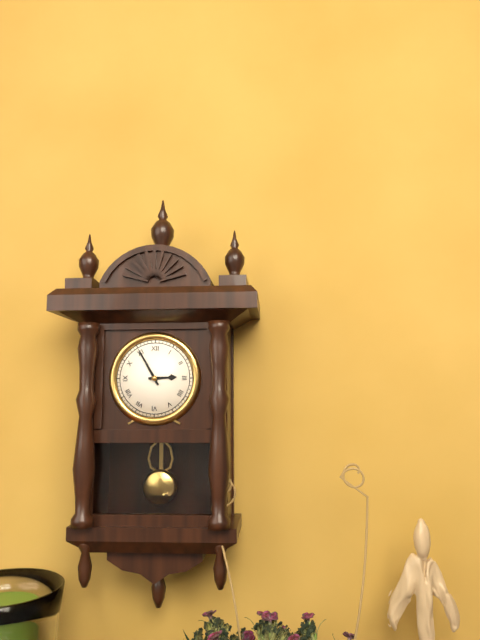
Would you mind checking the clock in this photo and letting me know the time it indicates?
2:55
